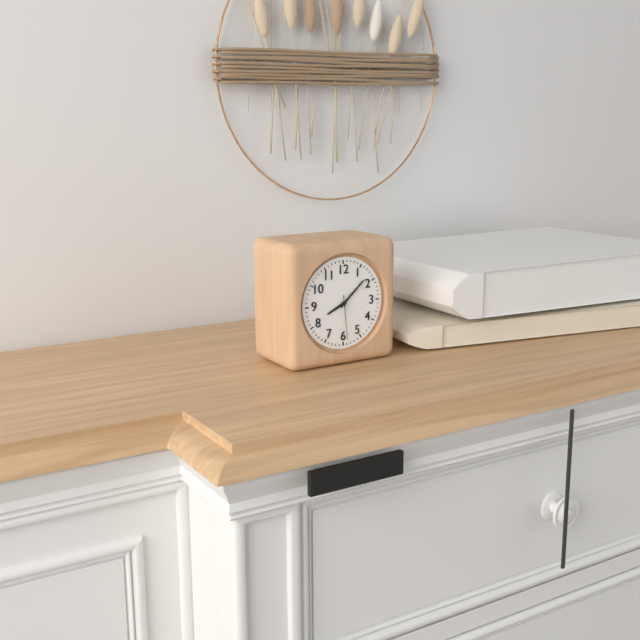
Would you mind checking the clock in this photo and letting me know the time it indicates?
8:08
